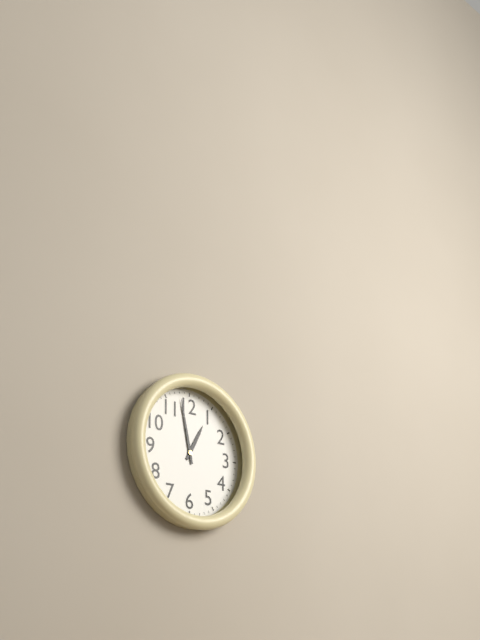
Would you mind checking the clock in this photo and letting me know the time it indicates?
12:58
